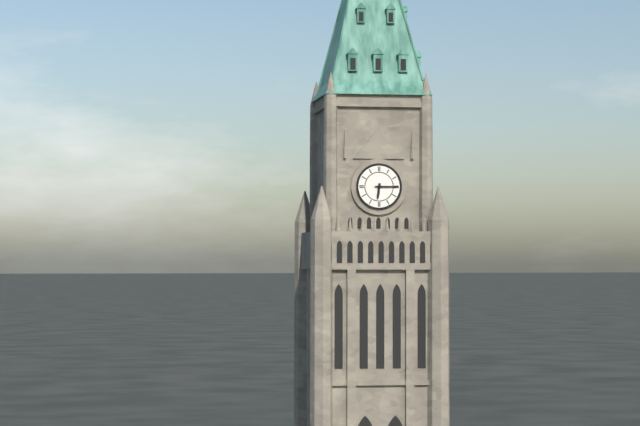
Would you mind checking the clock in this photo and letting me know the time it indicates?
6:15
